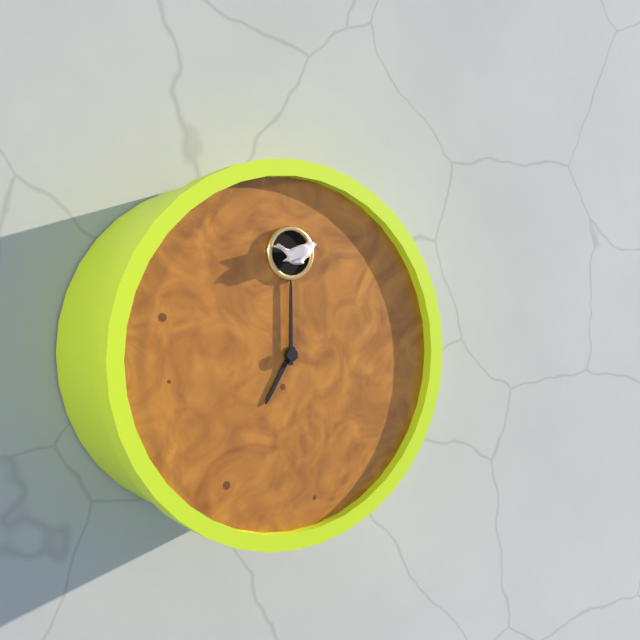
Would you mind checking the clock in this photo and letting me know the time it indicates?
7:00
